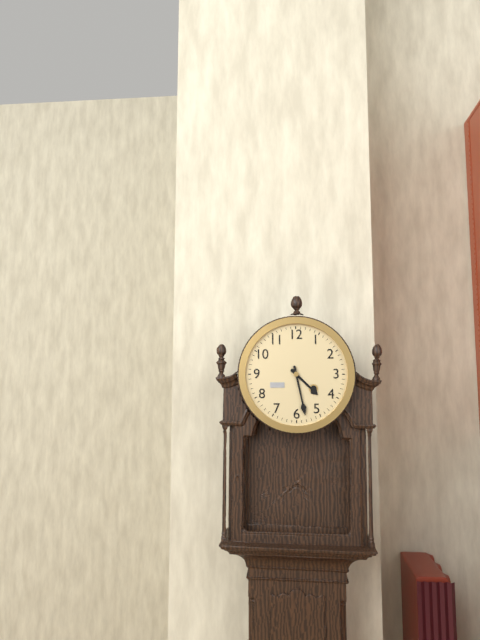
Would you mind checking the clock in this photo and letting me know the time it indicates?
4:28
